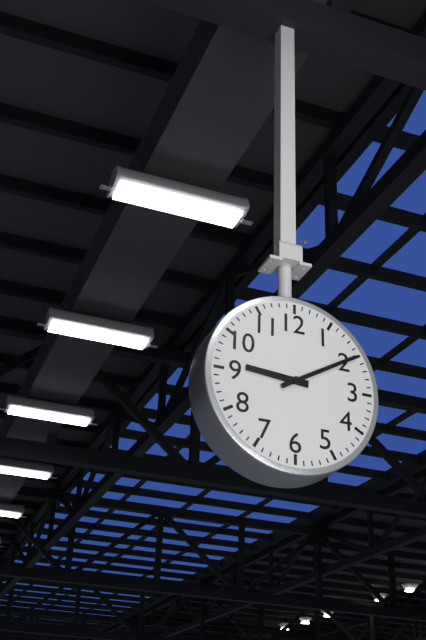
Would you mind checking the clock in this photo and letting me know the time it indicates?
9:10
